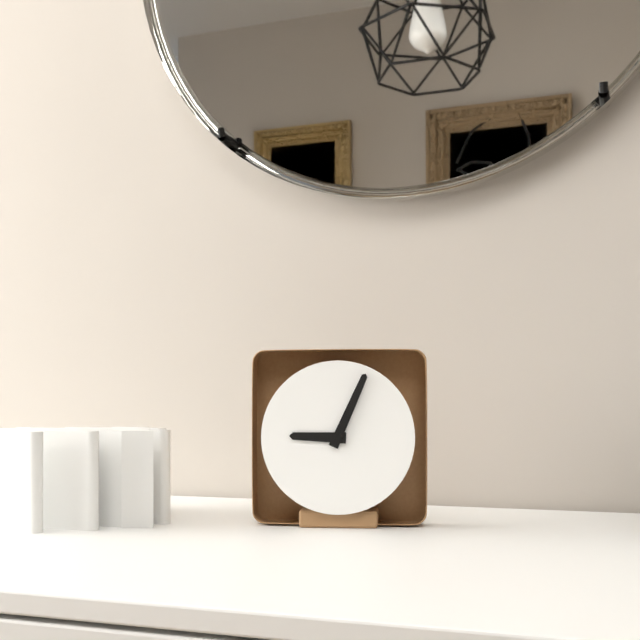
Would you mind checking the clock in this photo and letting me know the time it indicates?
9:04
